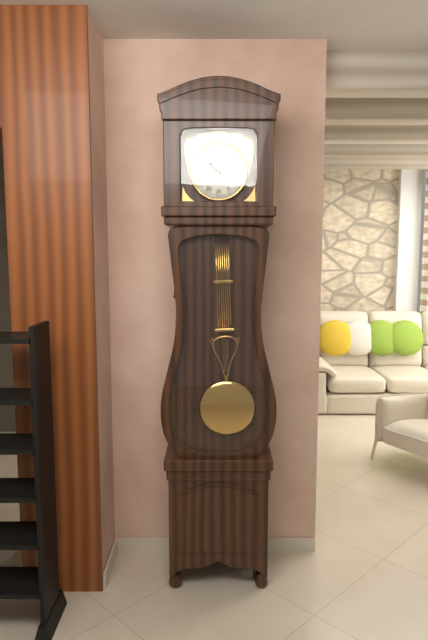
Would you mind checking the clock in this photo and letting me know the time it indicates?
10:17
